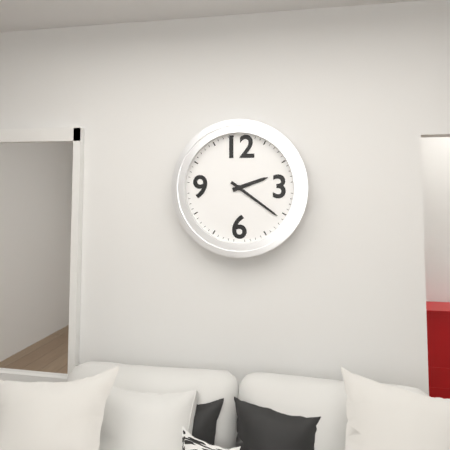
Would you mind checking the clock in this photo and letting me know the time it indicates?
2:21
